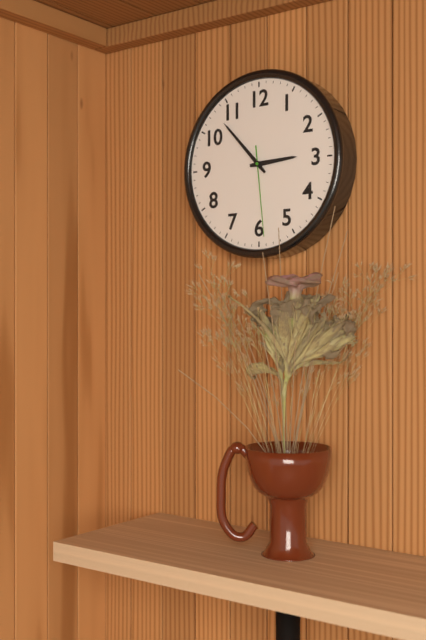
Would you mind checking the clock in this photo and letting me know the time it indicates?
2:53:29
